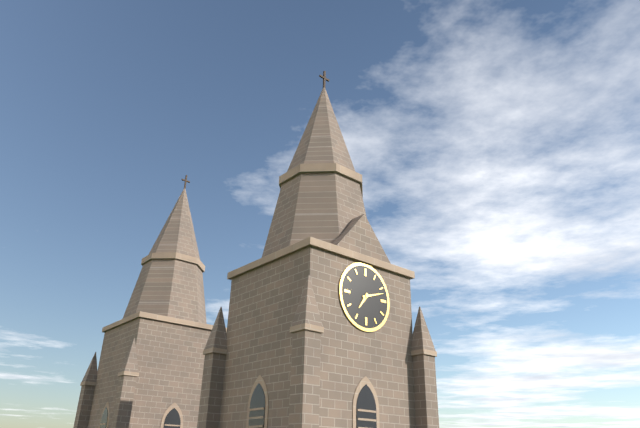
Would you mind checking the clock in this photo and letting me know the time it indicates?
7:12
